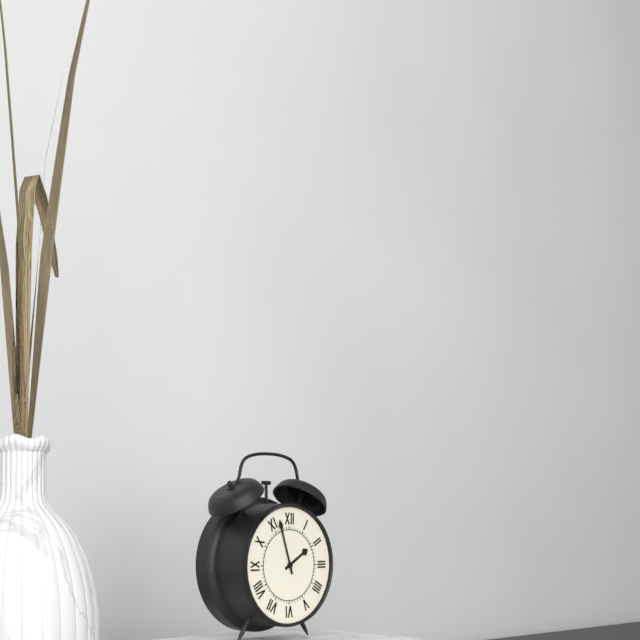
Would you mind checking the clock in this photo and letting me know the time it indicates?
1:57
